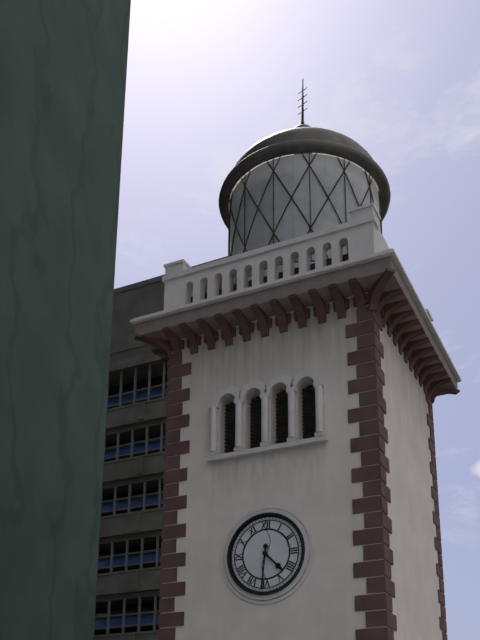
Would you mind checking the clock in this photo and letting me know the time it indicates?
4:31
